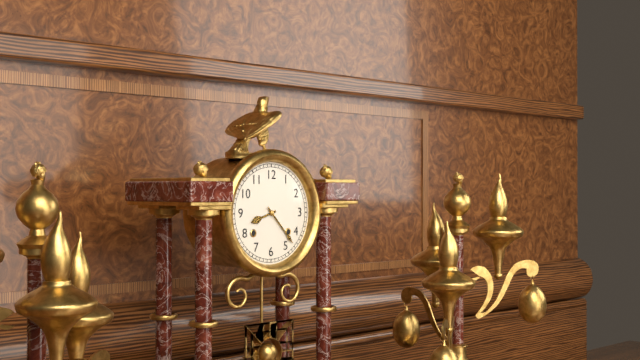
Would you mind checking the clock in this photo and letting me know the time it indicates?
8:23
